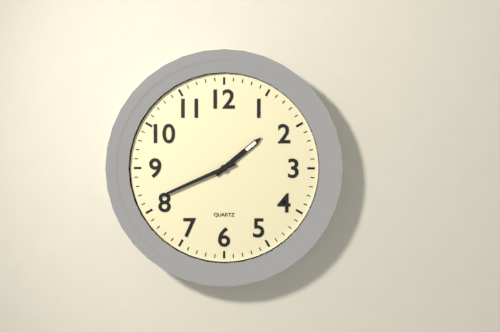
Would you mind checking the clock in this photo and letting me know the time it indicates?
1:41
